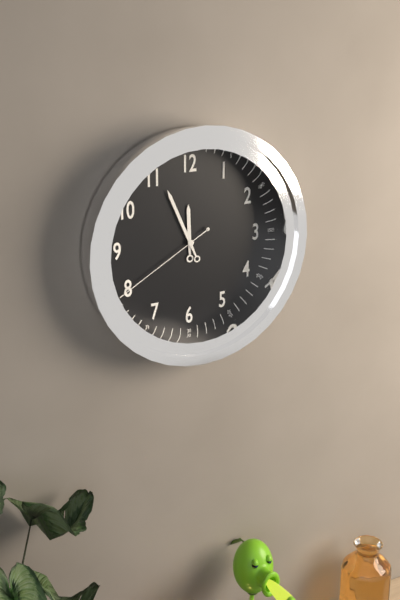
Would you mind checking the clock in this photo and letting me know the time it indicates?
11:56:40
